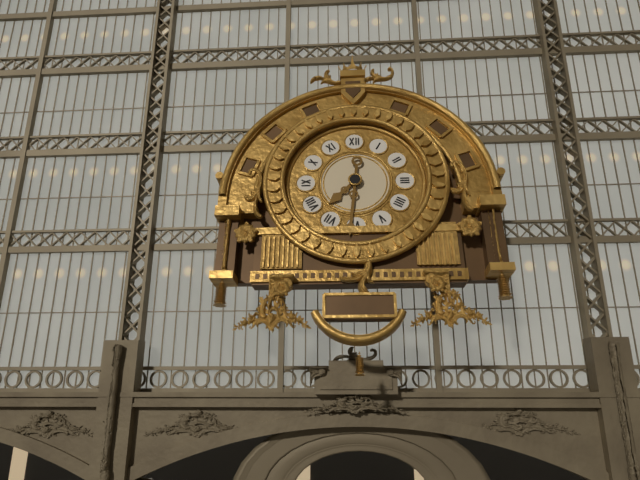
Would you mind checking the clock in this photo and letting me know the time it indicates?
7:31
